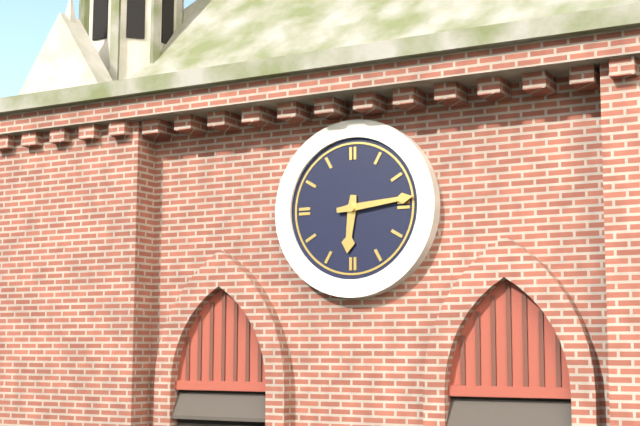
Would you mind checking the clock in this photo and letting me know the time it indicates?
6:14
